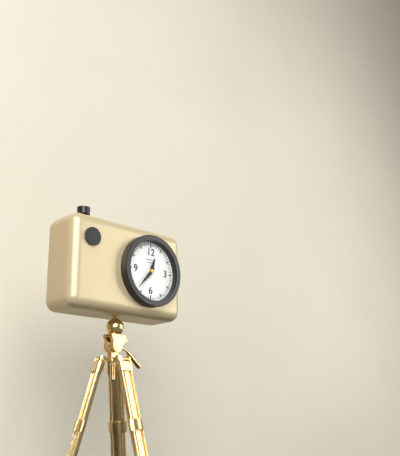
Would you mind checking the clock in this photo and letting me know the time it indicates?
12:37
